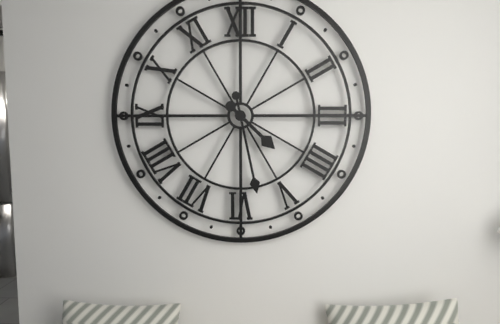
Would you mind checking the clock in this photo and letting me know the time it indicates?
4:28
